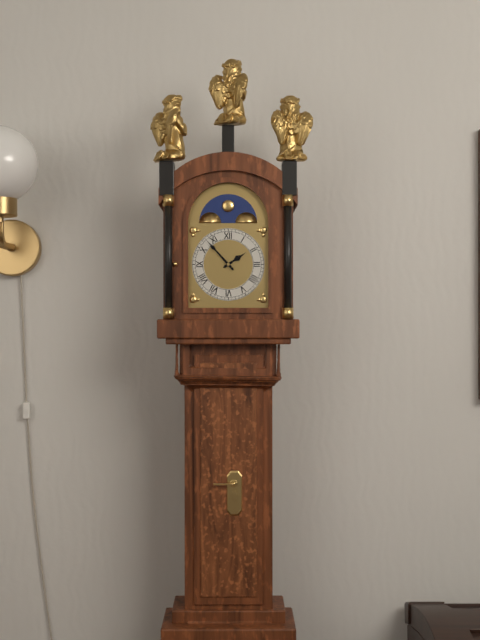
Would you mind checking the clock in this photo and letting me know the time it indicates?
1:53
